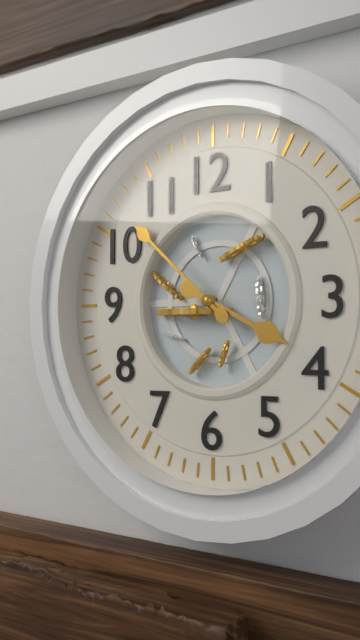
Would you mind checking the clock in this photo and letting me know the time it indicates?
3:52
